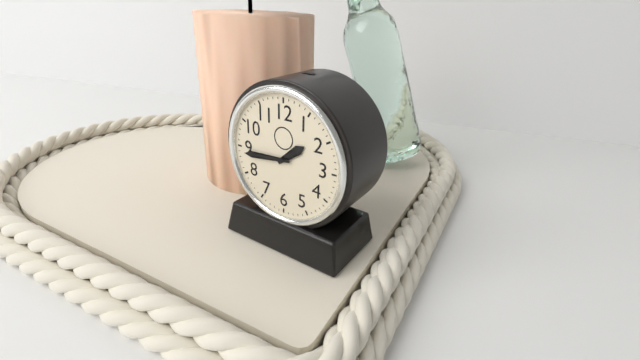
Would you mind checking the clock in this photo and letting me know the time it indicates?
1:44
